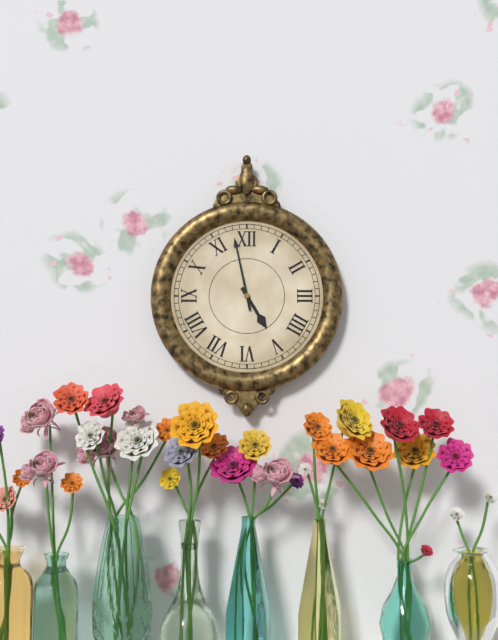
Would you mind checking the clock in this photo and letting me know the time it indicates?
4:58
